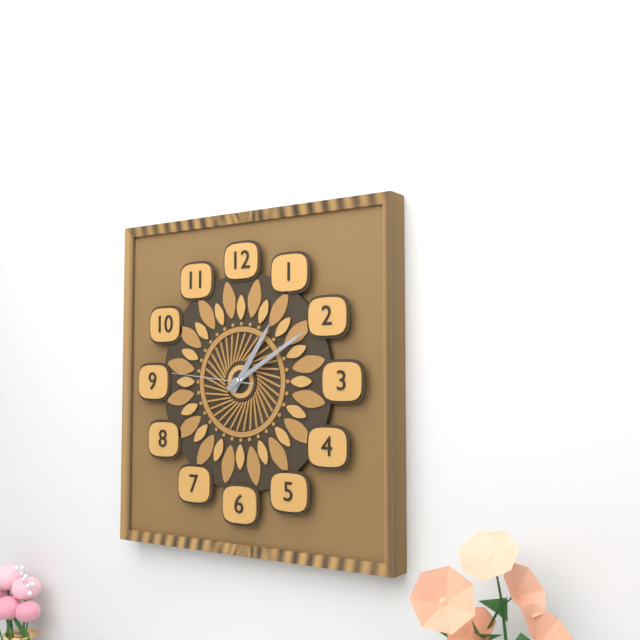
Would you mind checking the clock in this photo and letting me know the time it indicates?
1:10:46
